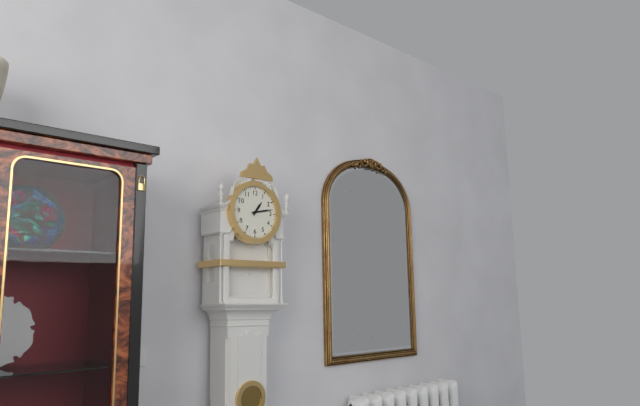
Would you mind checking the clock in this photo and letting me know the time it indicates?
1:13
